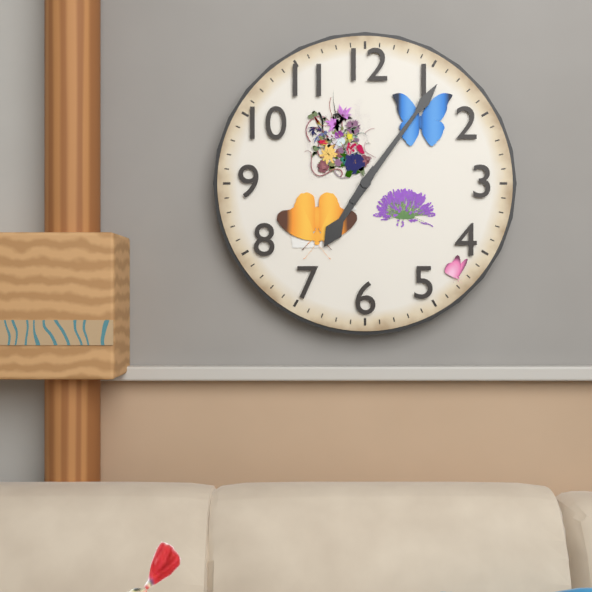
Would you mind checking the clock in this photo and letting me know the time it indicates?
7:06
